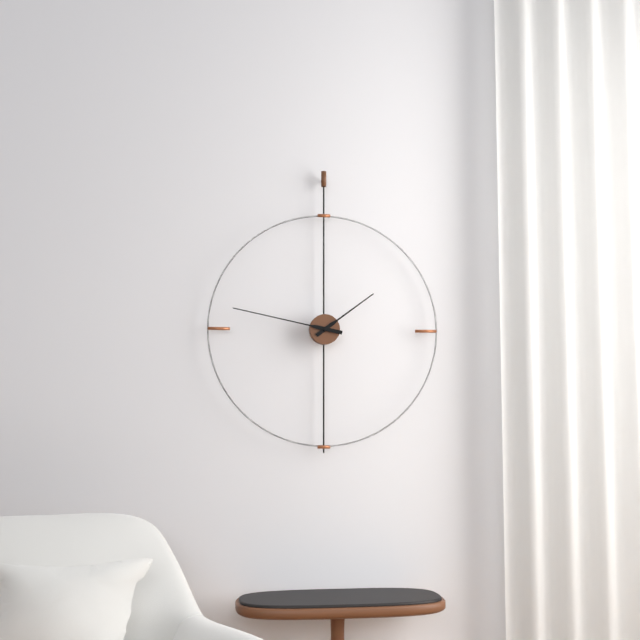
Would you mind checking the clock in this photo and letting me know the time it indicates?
1:47
